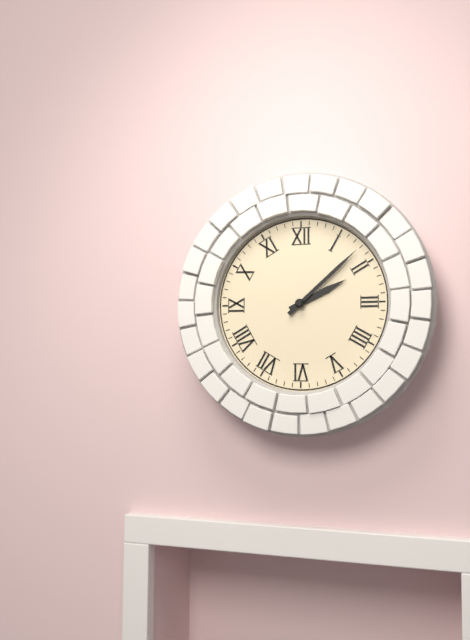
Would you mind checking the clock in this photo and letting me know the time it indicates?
2:08
